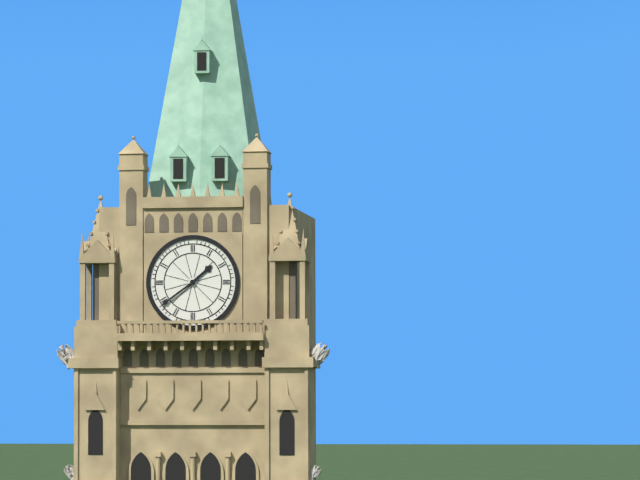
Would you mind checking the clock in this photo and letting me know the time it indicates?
1:39
